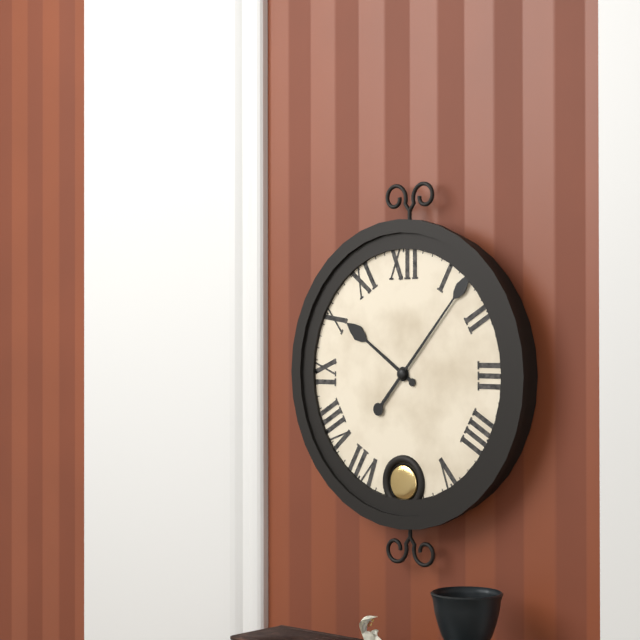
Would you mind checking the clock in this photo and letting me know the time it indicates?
10:07
